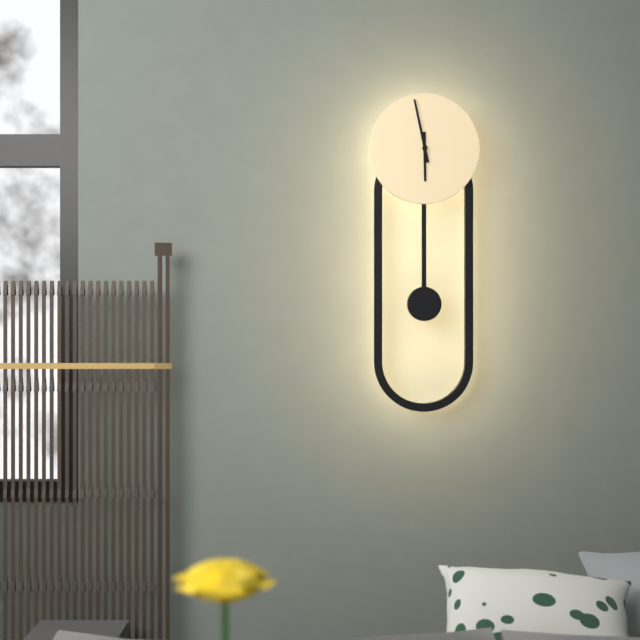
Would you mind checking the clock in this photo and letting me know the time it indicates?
5:58
